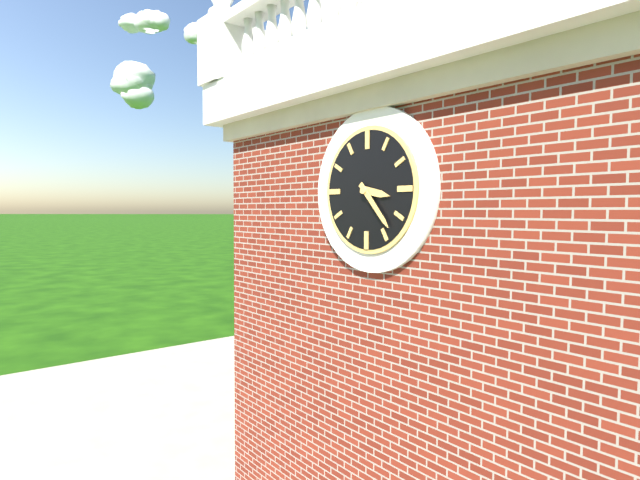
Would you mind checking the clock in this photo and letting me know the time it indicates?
3:23
